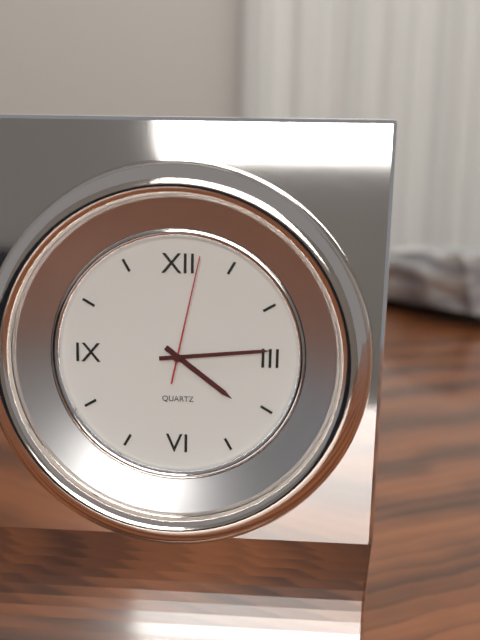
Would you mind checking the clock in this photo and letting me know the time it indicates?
4:14:02
